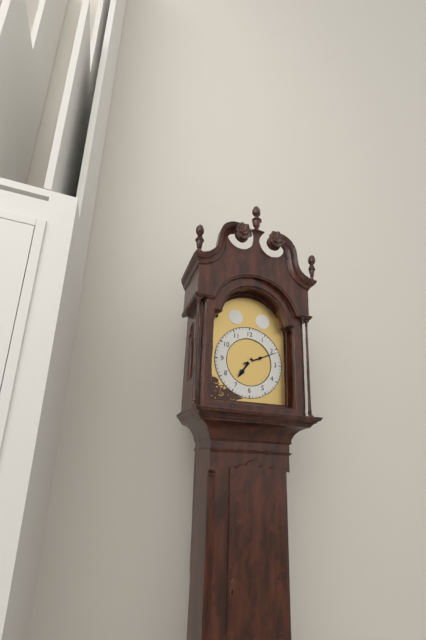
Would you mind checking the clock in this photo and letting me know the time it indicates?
7:11
